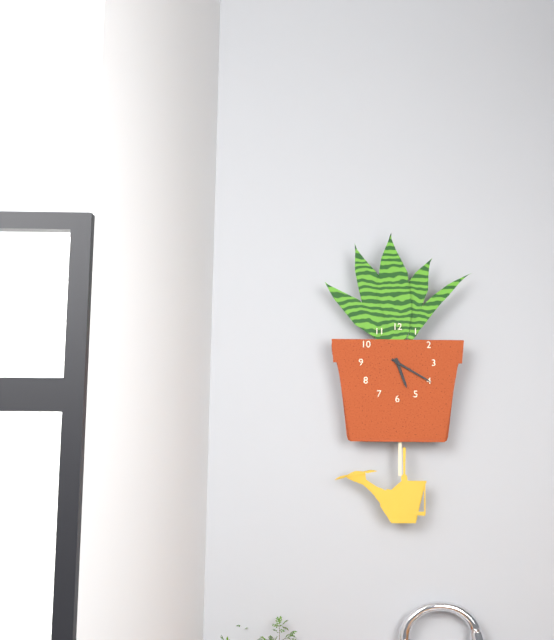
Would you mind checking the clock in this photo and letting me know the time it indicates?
5:20
